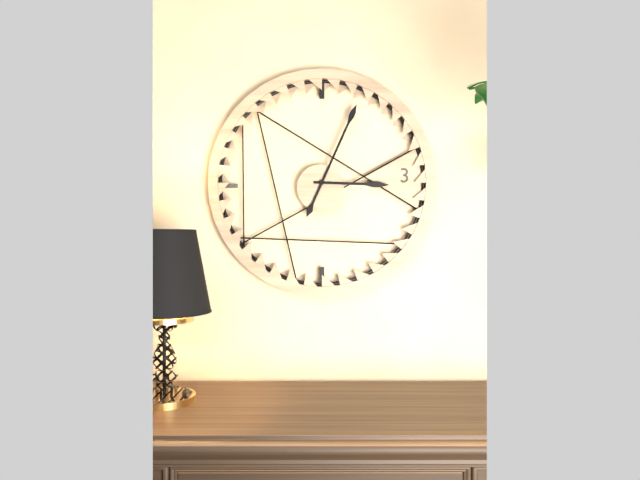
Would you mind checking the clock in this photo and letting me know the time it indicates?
3:04
